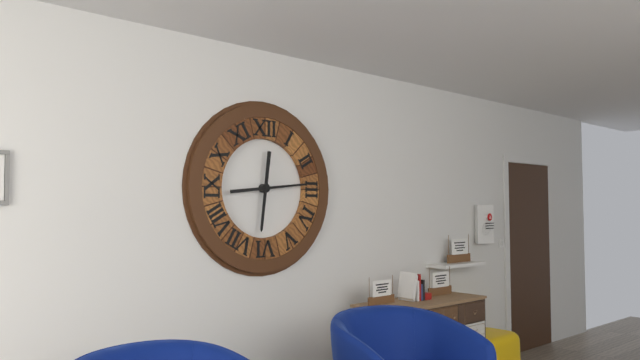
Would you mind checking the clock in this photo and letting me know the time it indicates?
6:14
